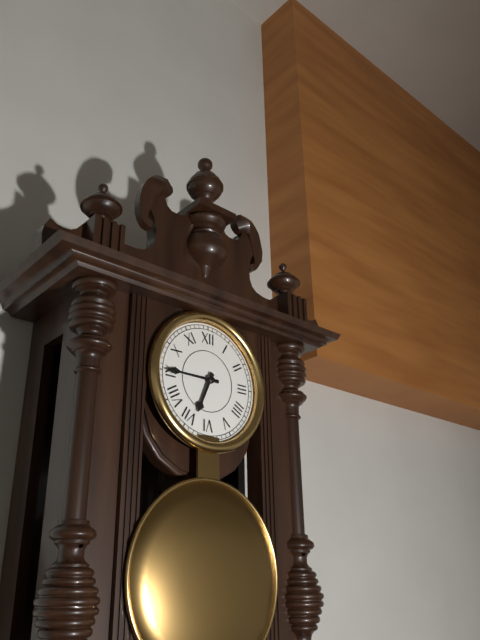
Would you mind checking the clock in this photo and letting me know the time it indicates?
6:45
